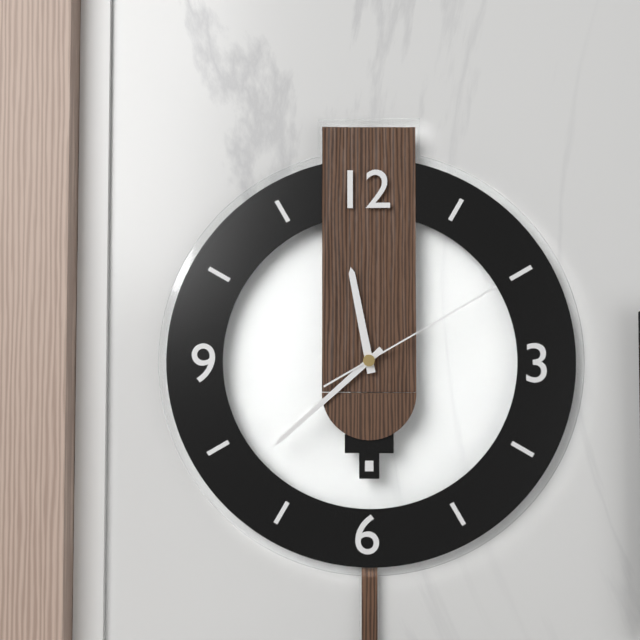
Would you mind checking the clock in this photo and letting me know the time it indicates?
11:38:10
